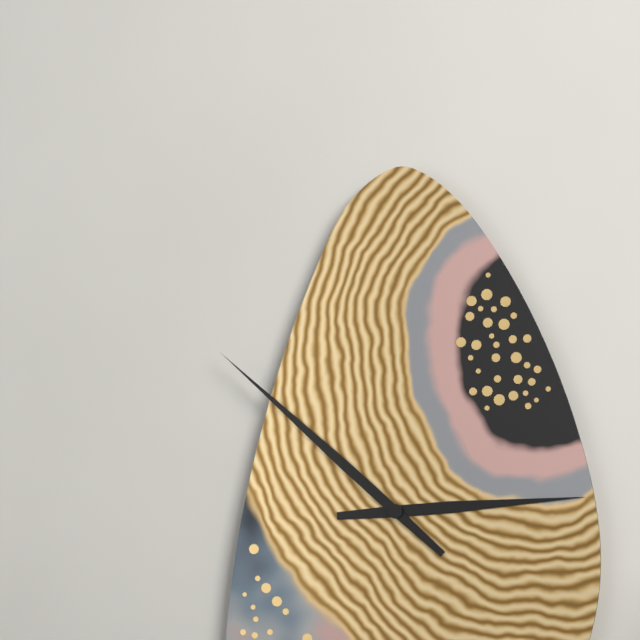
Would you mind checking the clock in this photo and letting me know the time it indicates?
2:52
